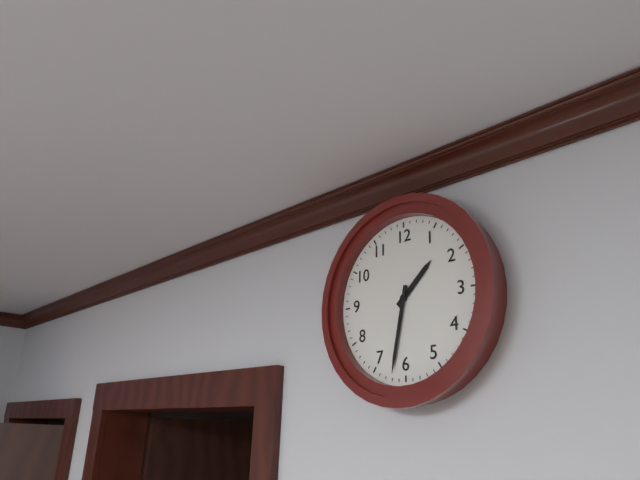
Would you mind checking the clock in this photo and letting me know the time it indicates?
1:32
